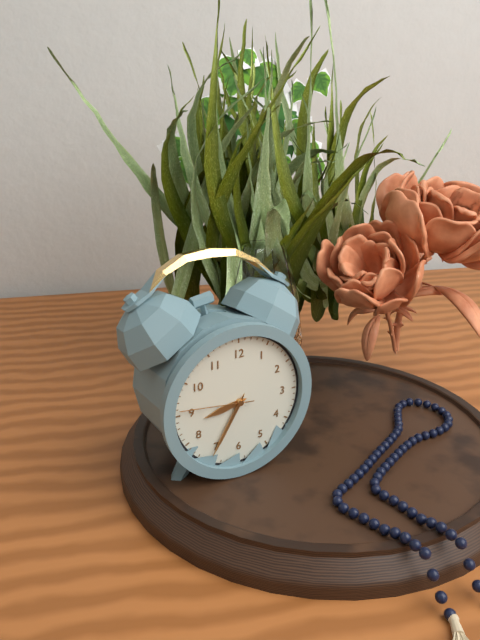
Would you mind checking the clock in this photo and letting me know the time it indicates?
8:35:46
